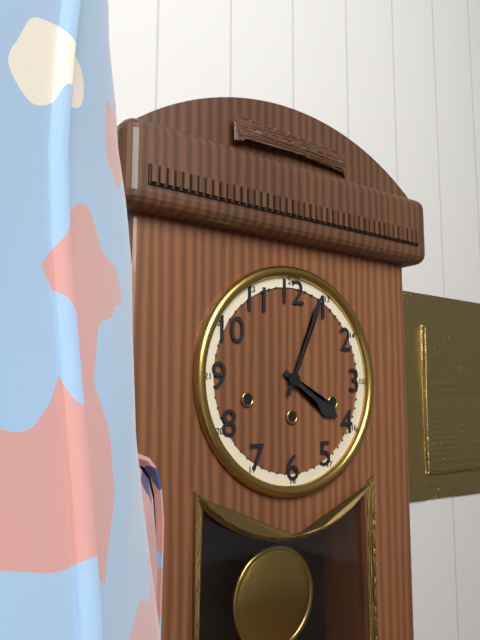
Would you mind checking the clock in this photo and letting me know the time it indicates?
4:04
